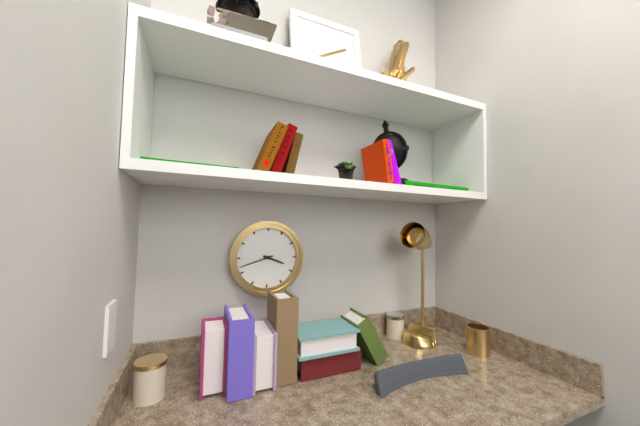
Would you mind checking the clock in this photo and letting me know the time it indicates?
3:42
